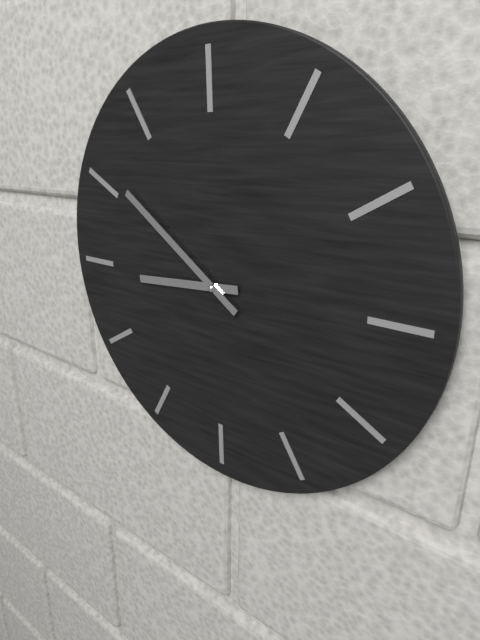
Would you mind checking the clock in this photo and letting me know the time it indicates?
8:51
